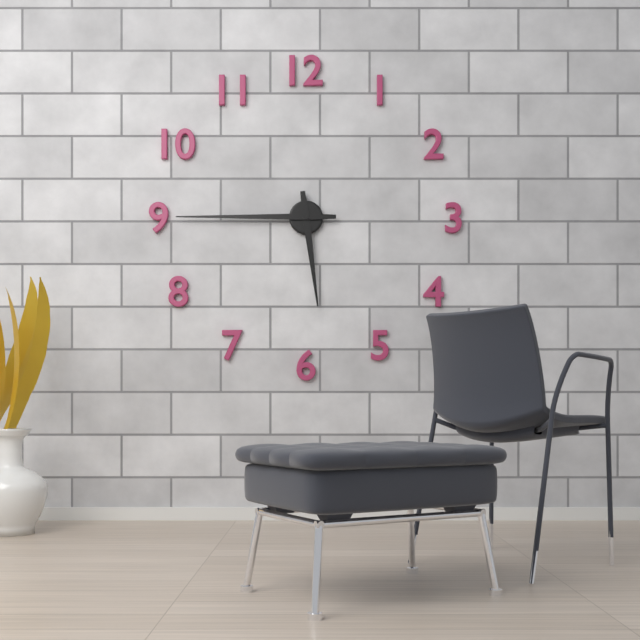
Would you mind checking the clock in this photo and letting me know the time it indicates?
5:45
